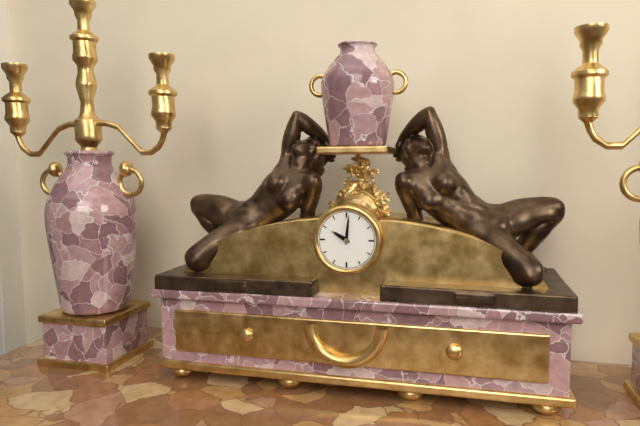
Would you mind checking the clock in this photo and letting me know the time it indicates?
10:01
